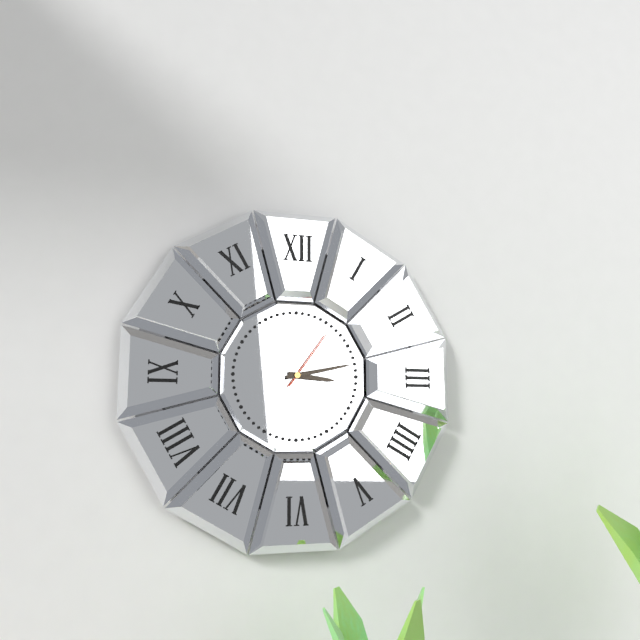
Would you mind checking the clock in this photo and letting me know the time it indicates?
3:13:06
